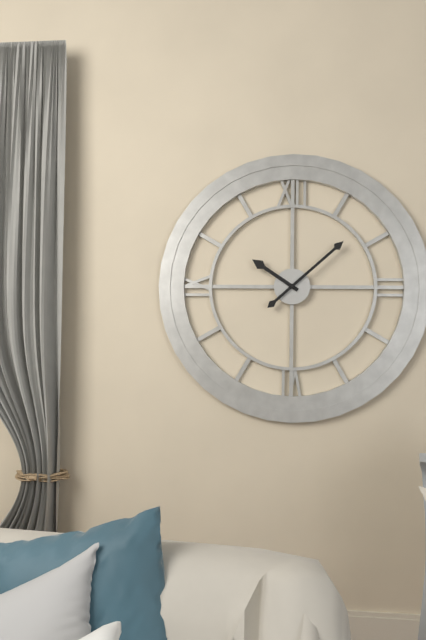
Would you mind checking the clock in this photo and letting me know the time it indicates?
10:08
